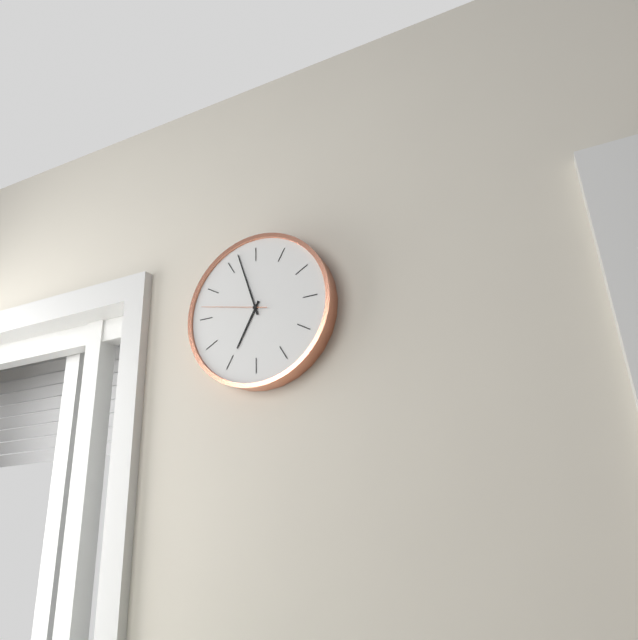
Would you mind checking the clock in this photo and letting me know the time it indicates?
6:57:47
